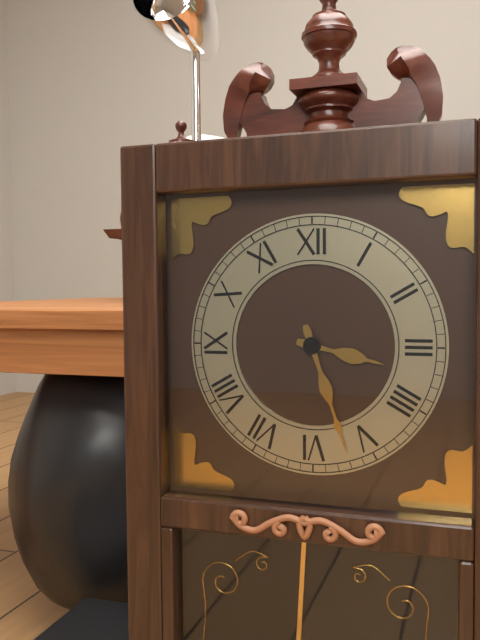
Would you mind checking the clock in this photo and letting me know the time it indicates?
3:27
